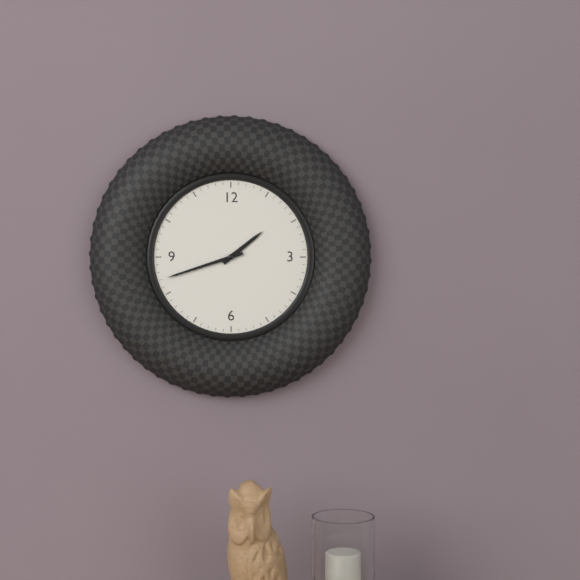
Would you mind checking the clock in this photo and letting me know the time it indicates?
1:42
